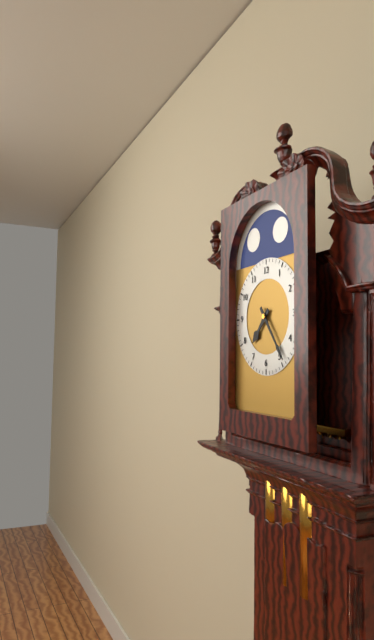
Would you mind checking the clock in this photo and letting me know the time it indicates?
7:24
